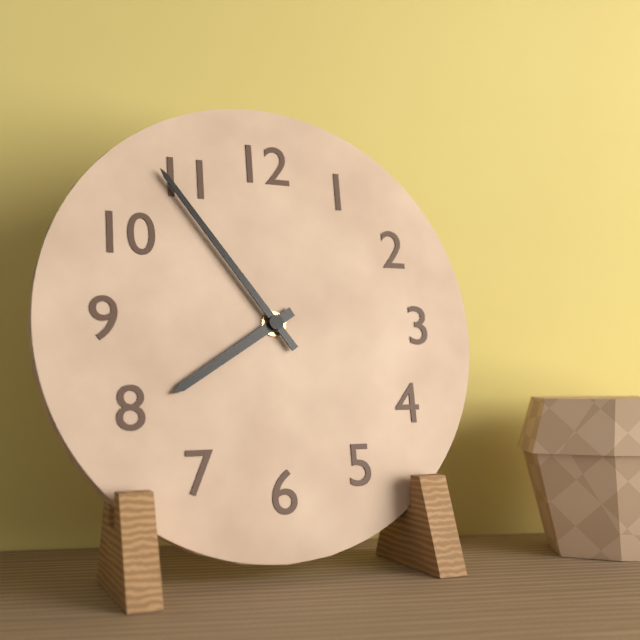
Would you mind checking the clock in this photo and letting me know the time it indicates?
7:54
